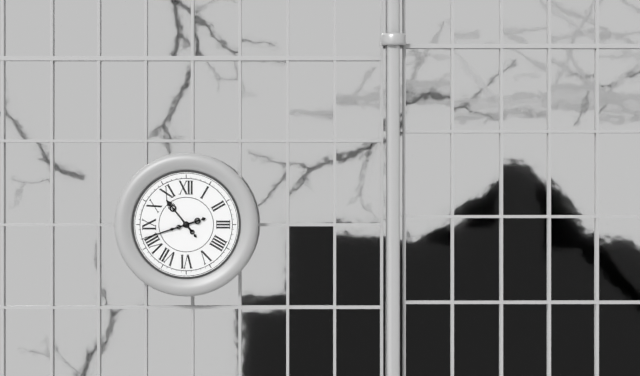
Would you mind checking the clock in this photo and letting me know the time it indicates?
10:42
